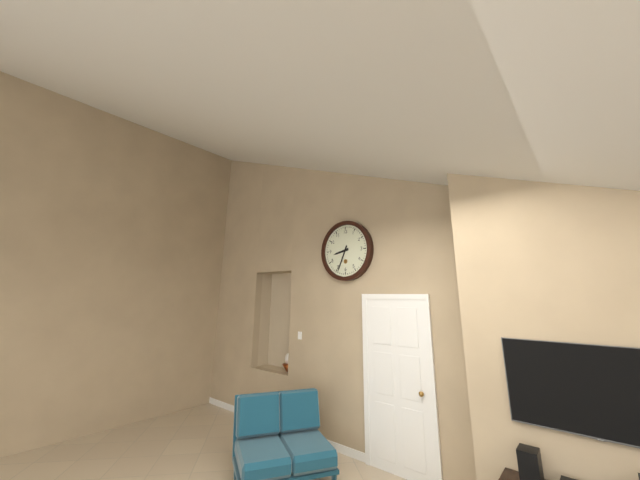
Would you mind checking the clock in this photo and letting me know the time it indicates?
8:34
